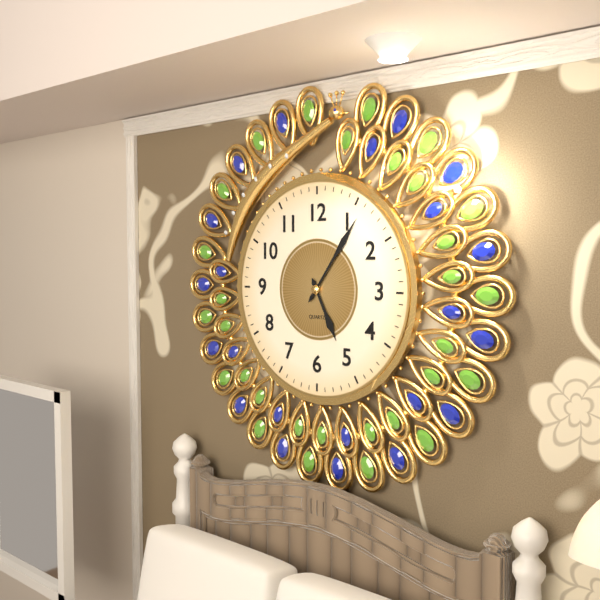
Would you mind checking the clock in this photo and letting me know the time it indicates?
5:06
